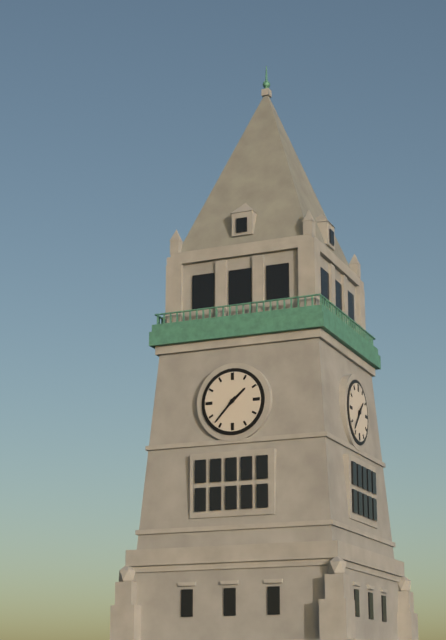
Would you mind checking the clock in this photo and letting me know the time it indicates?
1:37
